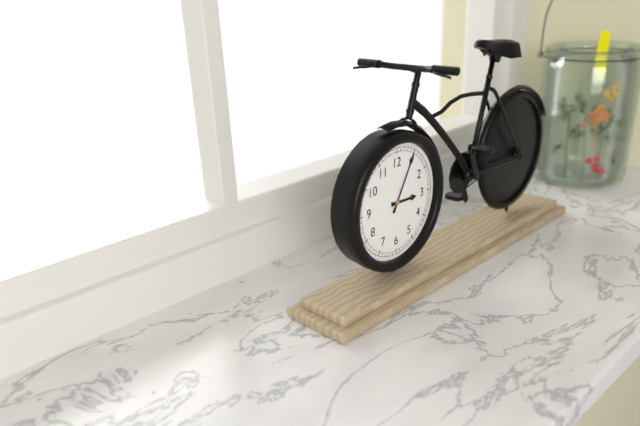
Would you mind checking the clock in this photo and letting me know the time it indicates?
3:05
